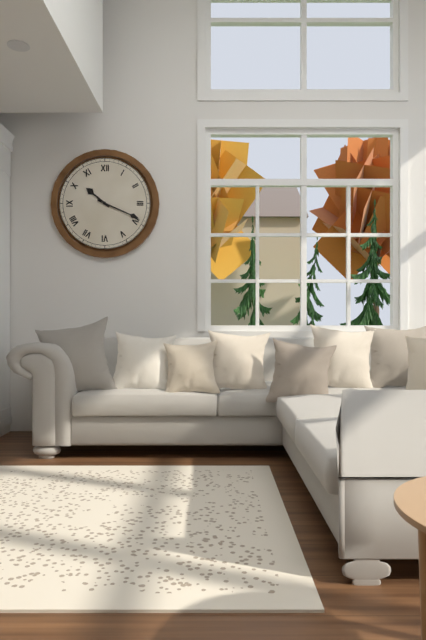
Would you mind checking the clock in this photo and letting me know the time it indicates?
10:19
